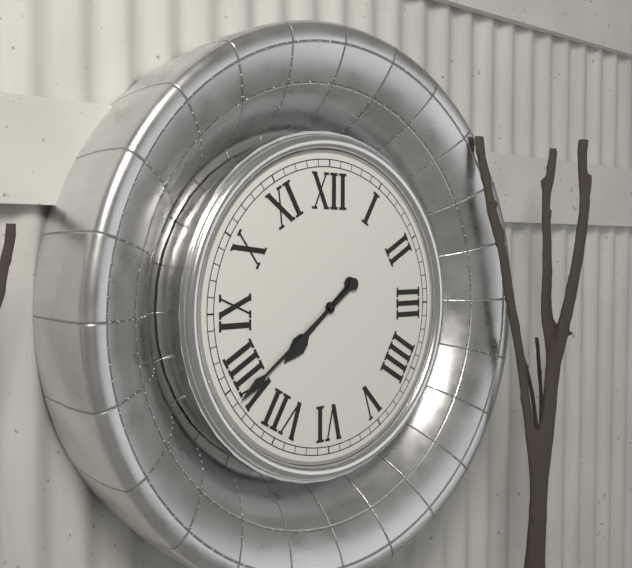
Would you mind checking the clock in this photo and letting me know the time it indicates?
7:39
